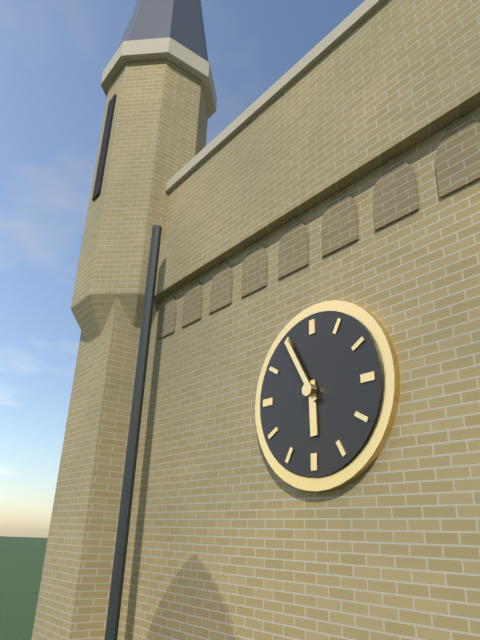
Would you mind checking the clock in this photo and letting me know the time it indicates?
5:55
